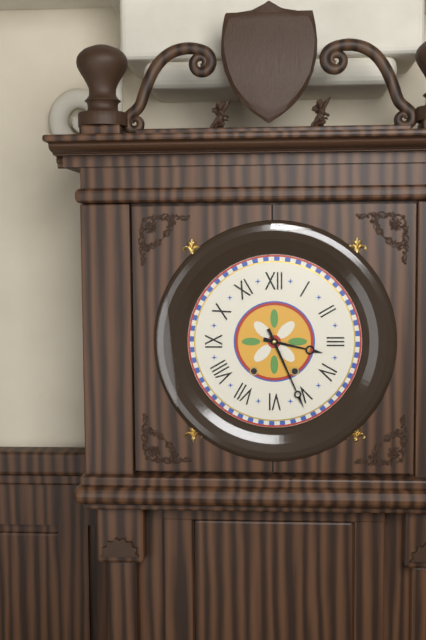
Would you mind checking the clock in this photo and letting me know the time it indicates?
3:26
